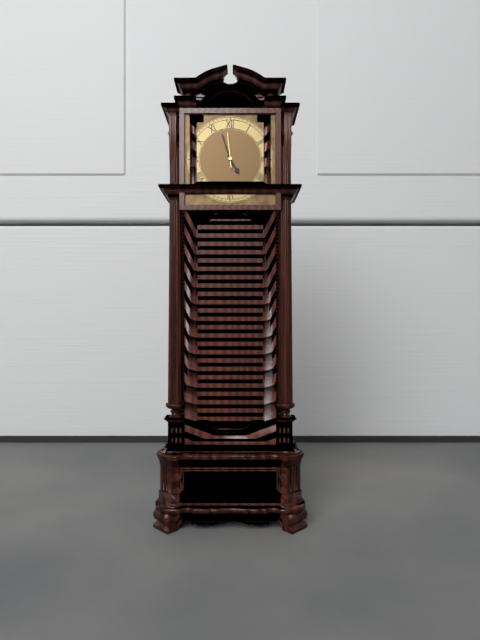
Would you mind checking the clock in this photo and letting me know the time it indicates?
4:57
